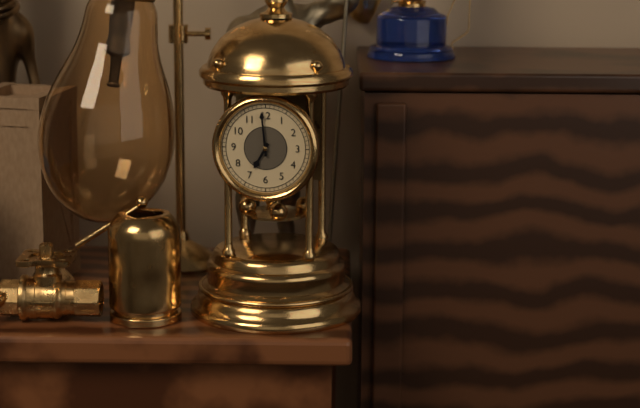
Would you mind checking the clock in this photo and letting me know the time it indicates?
6:59
